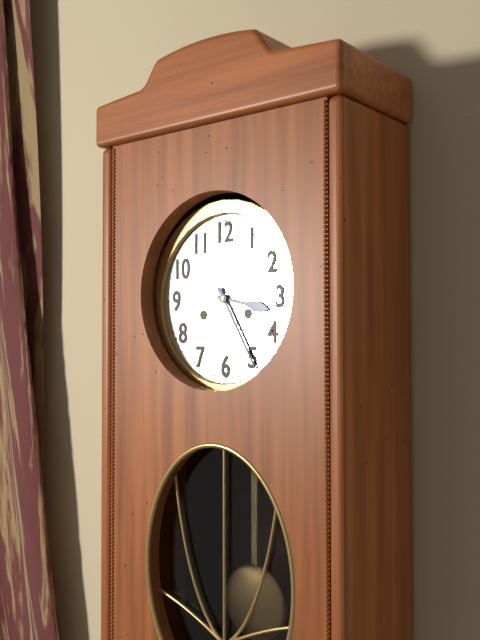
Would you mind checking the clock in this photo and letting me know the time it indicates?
3:25
